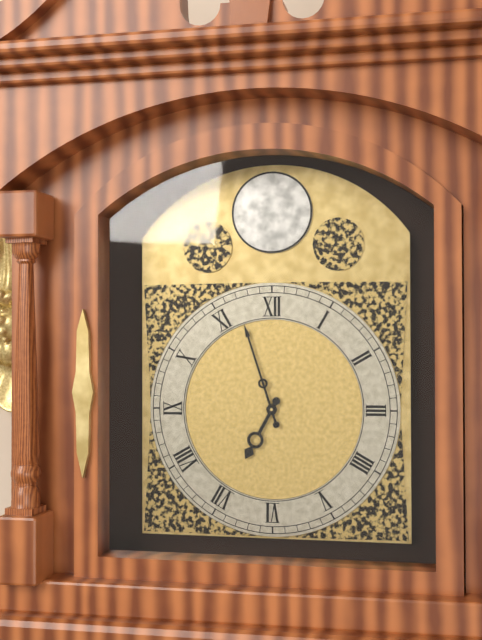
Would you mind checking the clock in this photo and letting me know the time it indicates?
6:57
